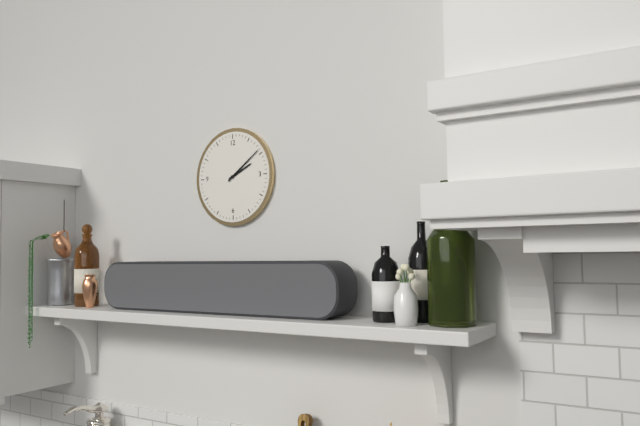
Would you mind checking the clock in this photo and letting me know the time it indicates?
2:09
